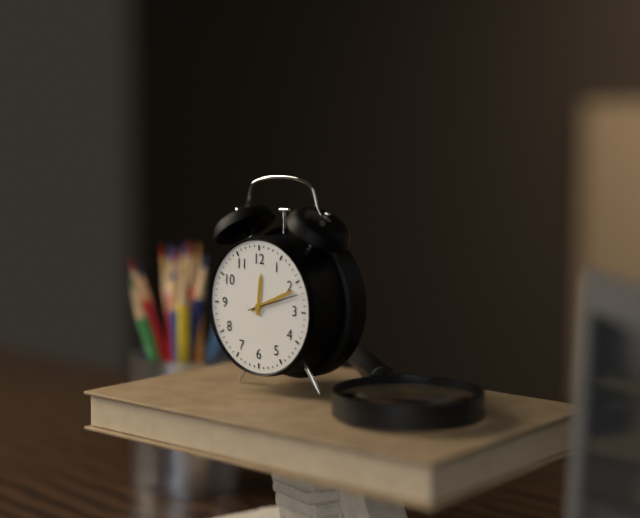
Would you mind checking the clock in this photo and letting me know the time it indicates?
12:11:12
